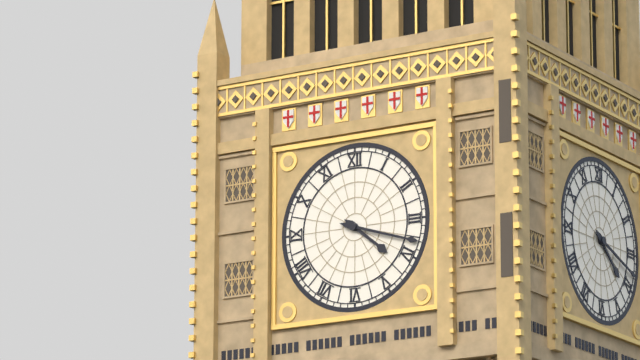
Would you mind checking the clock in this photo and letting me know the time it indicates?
4:18
